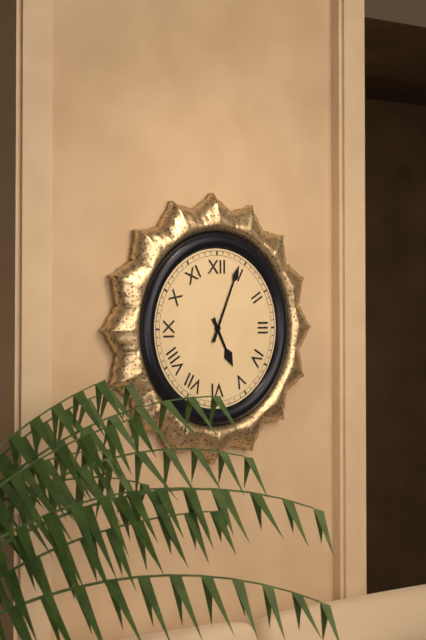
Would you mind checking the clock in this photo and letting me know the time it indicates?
5:04
